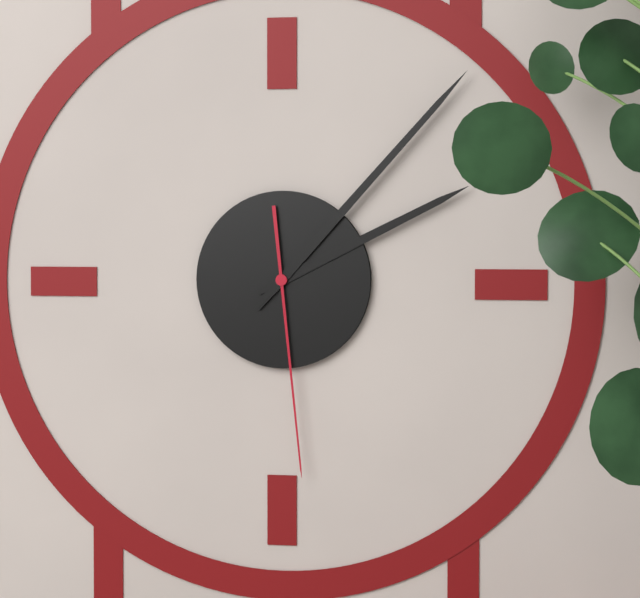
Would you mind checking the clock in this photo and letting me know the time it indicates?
2:07:29
